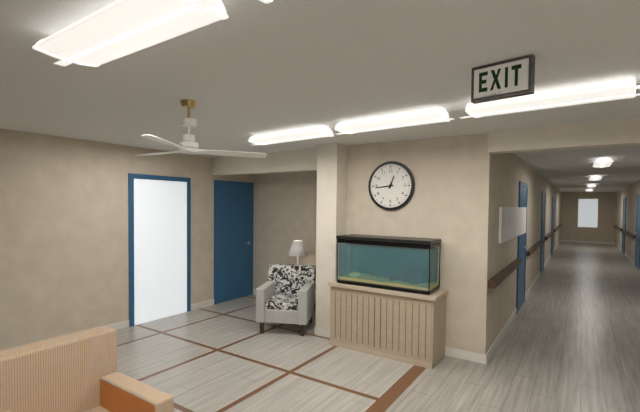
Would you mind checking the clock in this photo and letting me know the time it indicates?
12:44
